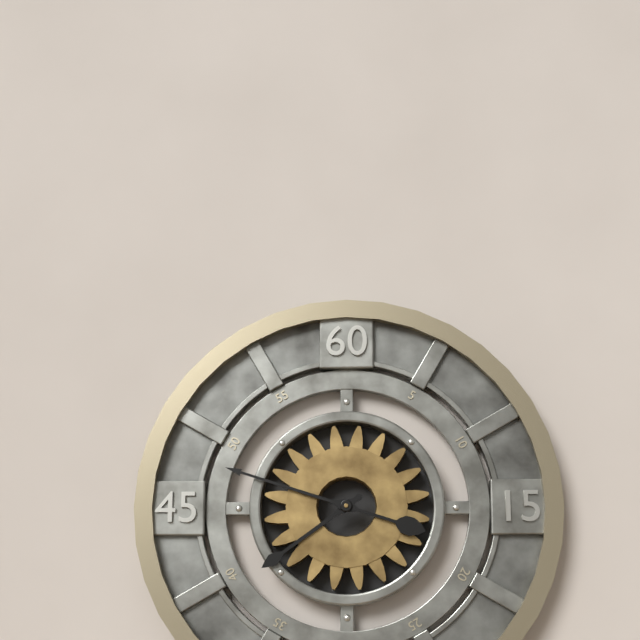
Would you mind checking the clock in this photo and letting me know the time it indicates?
7:48
